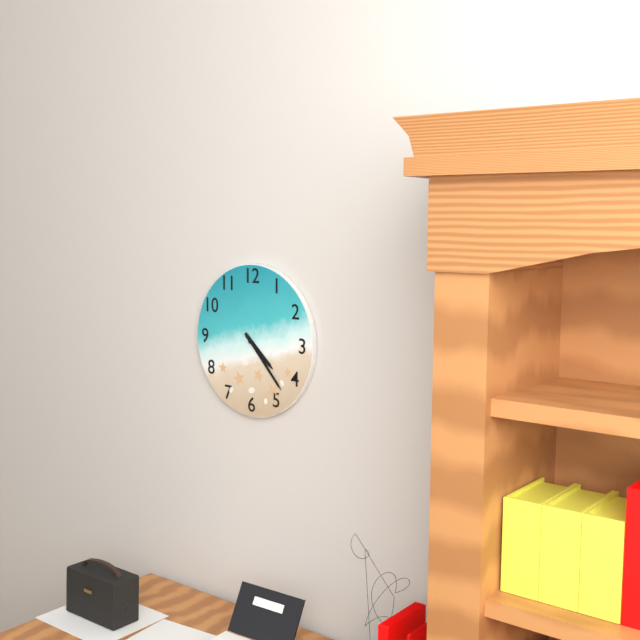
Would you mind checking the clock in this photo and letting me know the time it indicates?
4:23
